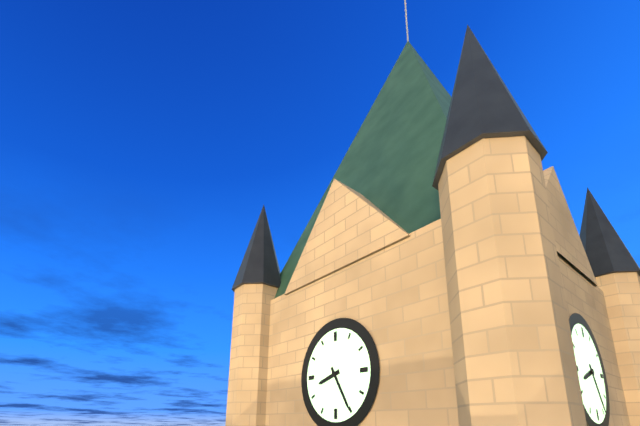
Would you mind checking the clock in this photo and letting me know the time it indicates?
8:25
